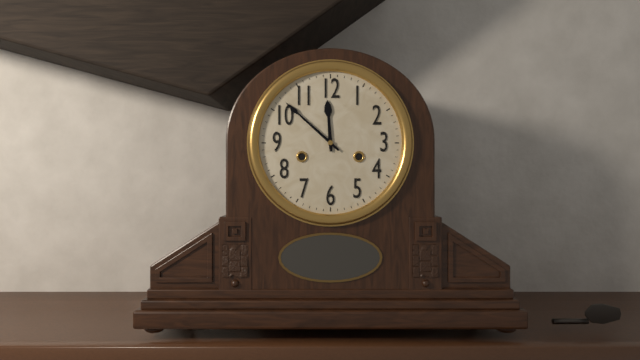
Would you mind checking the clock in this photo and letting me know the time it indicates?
11:52
